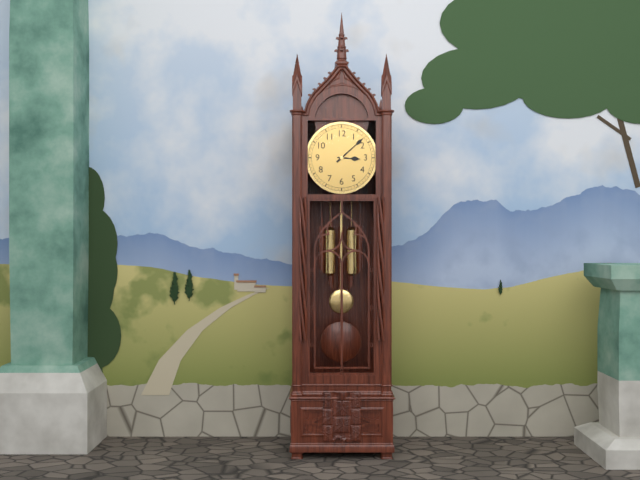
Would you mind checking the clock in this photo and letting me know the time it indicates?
3:08
